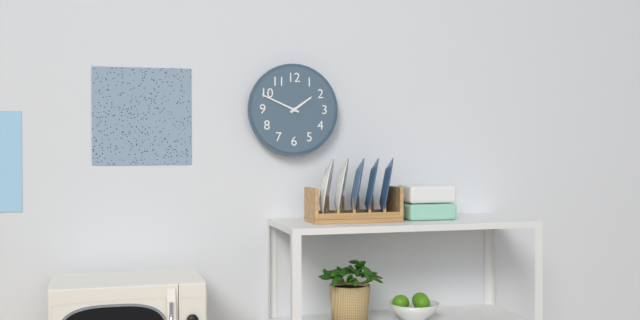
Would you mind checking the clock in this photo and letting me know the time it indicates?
1:49
